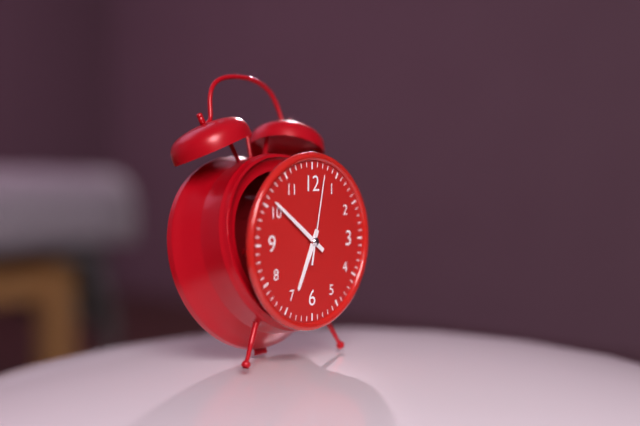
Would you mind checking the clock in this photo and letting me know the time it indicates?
6:51:02
